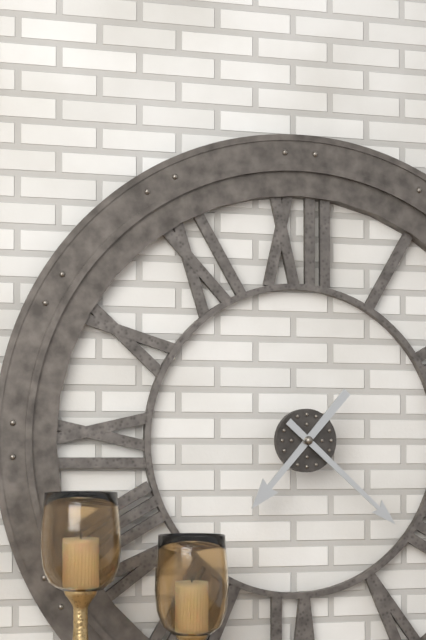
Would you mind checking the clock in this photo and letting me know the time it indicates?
7:22
